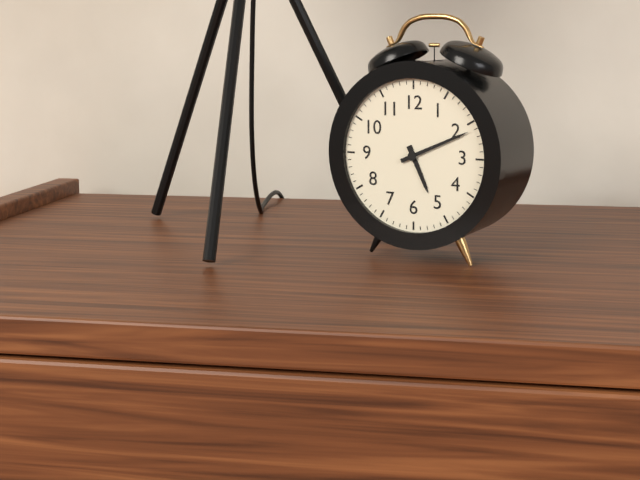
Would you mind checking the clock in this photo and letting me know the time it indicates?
5:11
